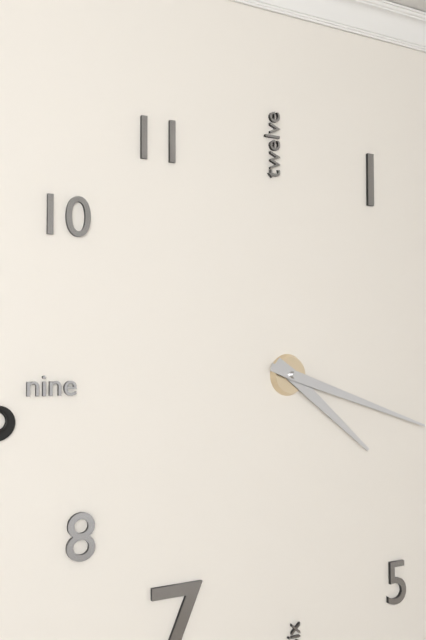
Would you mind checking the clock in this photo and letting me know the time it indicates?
4:18
